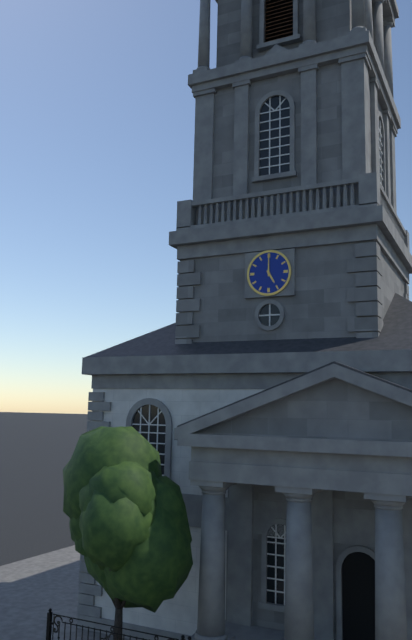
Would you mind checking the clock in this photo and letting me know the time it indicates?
5:00
